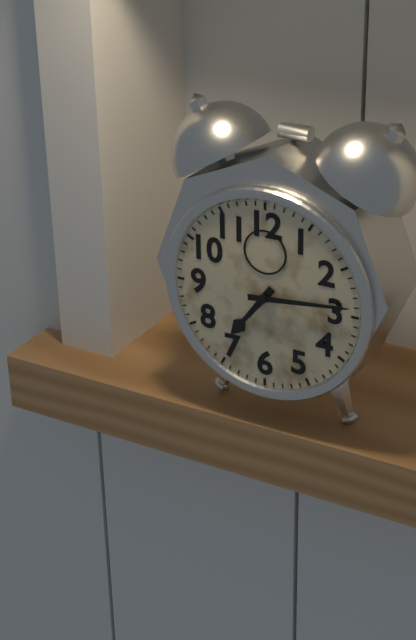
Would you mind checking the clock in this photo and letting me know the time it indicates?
7:14
